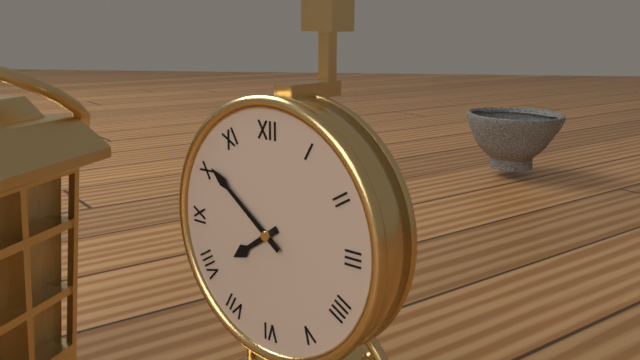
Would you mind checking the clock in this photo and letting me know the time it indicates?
7:51
